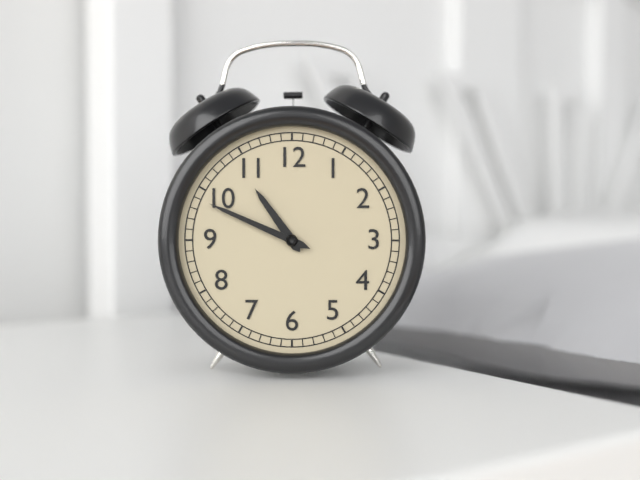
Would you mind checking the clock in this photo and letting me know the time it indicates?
10:49
